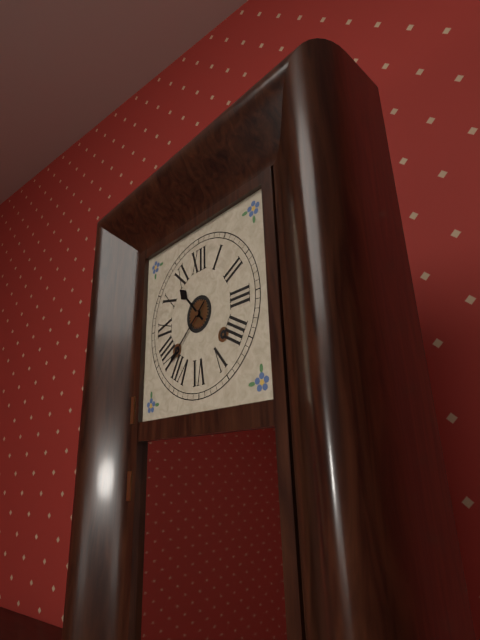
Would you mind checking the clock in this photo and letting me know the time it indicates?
10:38
